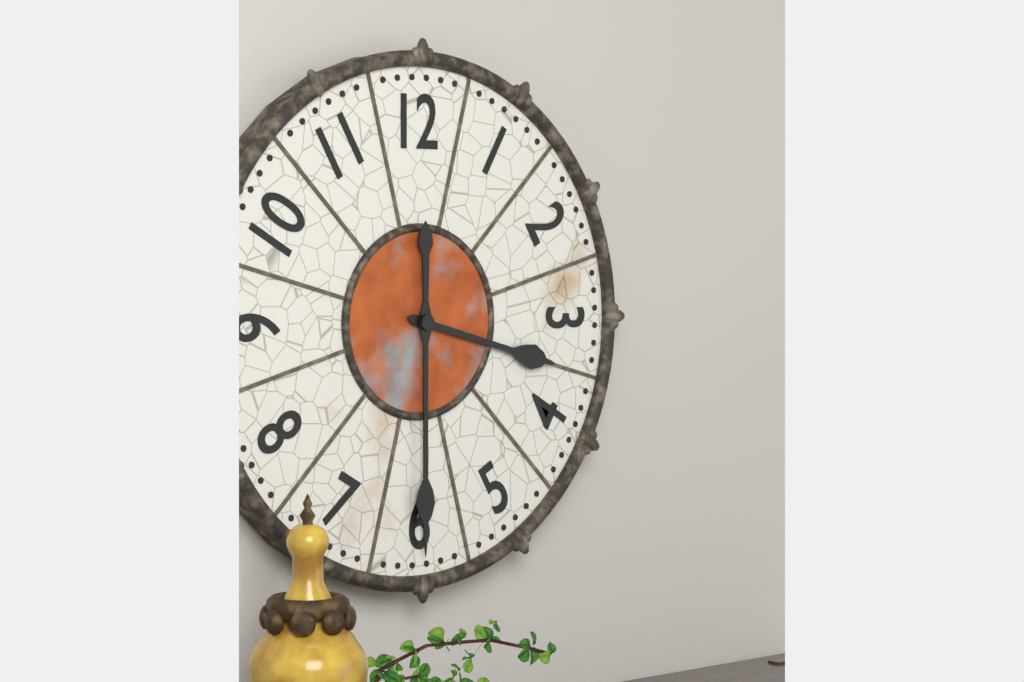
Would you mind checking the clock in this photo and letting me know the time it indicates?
3:30
